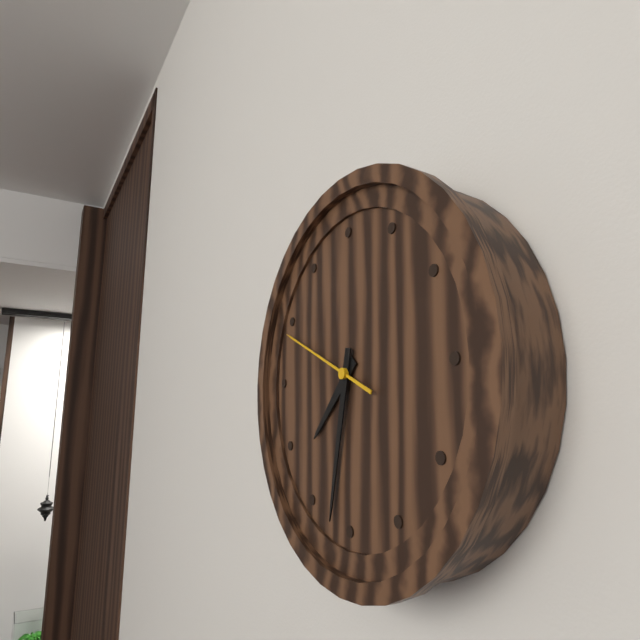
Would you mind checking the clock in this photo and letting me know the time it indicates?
7:32:49
